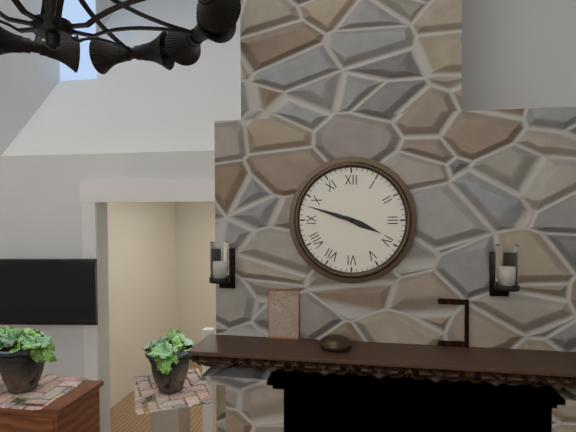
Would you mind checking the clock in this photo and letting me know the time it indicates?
3:48
